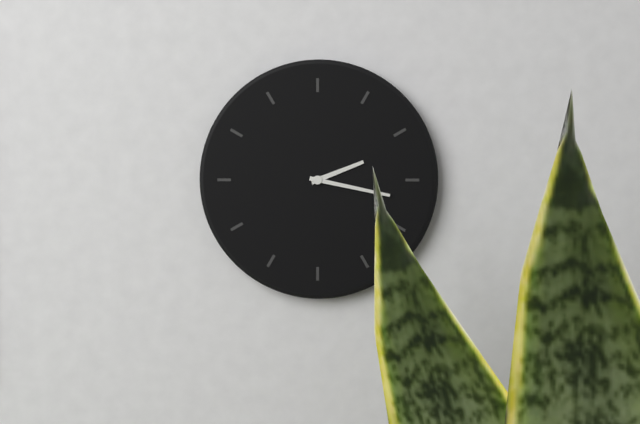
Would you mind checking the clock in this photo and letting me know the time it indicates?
2:17
